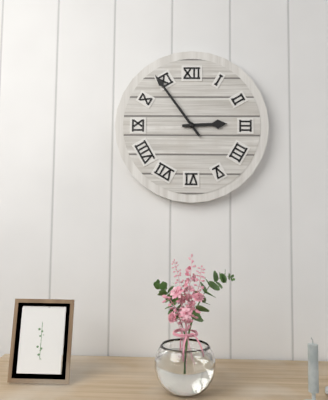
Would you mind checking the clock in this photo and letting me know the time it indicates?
2:54
